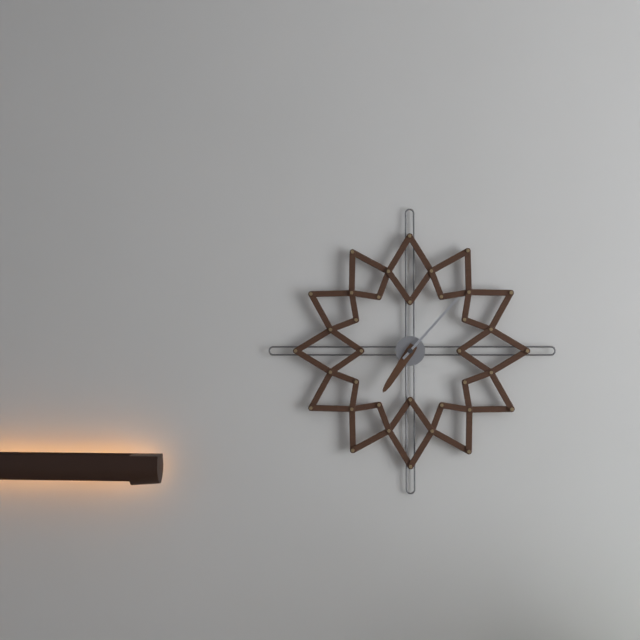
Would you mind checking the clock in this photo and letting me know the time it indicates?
7:07
